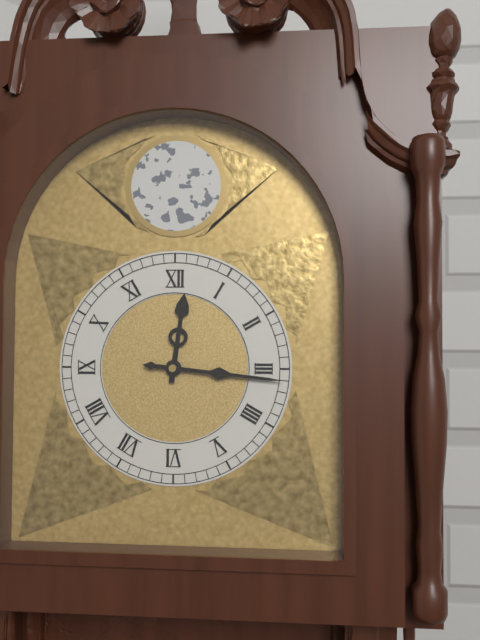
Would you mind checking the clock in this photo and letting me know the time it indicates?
12:16
